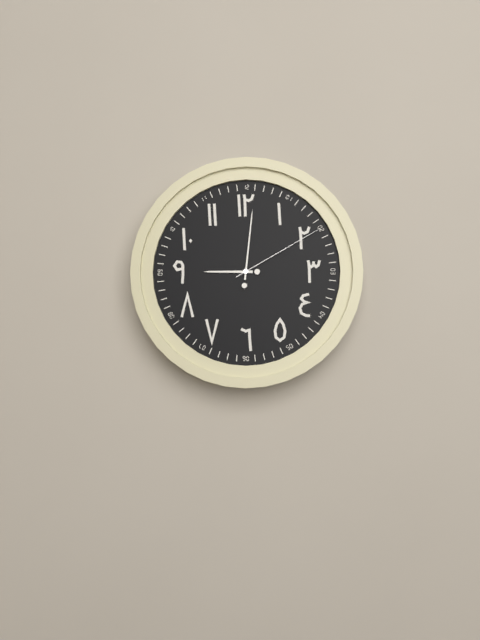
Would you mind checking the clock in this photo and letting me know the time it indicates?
9:01:10
